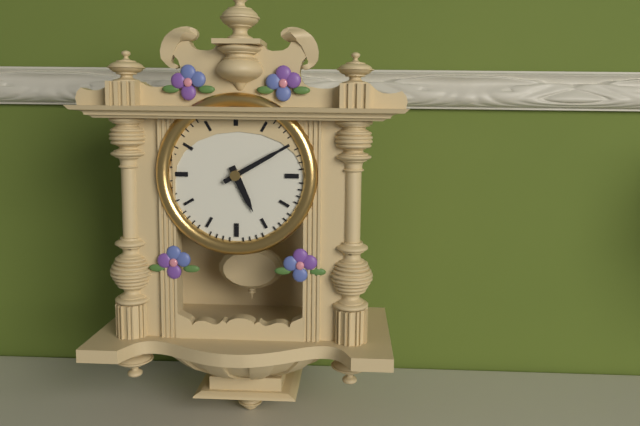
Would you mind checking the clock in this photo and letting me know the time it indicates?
5:10
